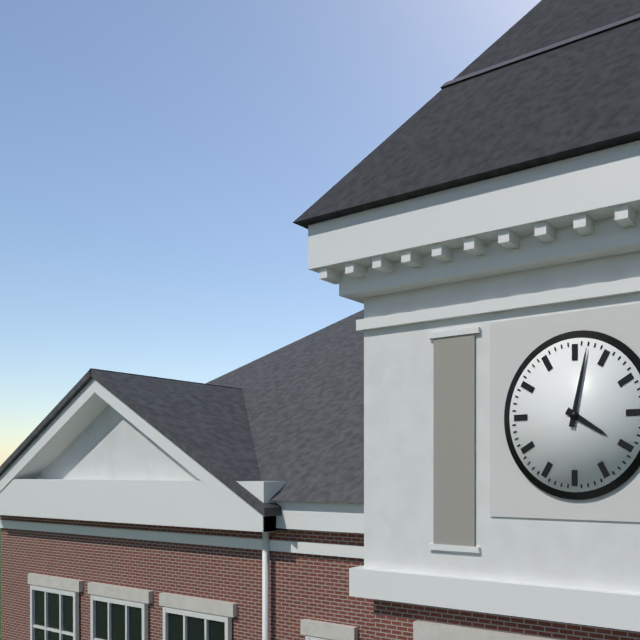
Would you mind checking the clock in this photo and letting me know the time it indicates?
4:02
